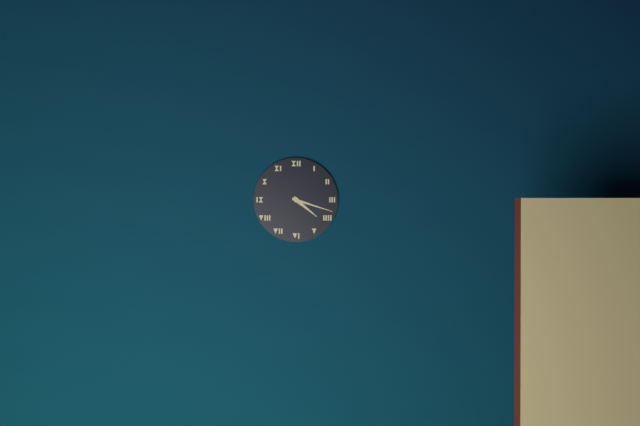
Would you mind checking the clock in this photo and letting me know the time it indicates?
4:18
